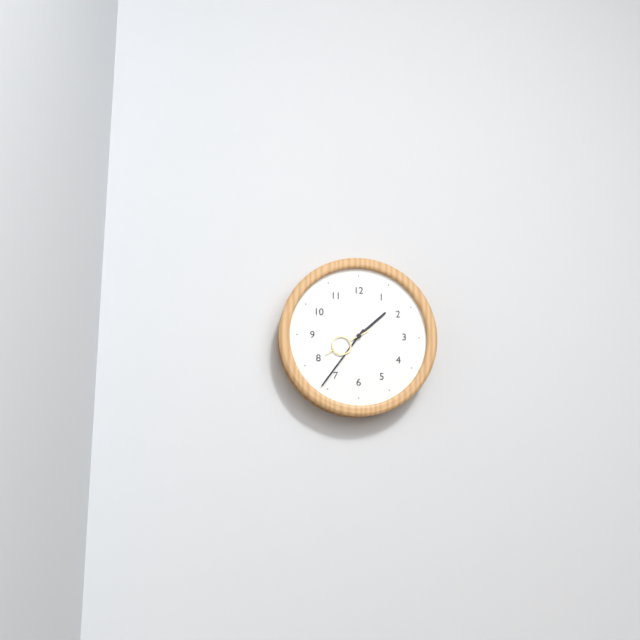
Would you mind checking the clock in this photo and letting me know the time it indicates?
1:36
